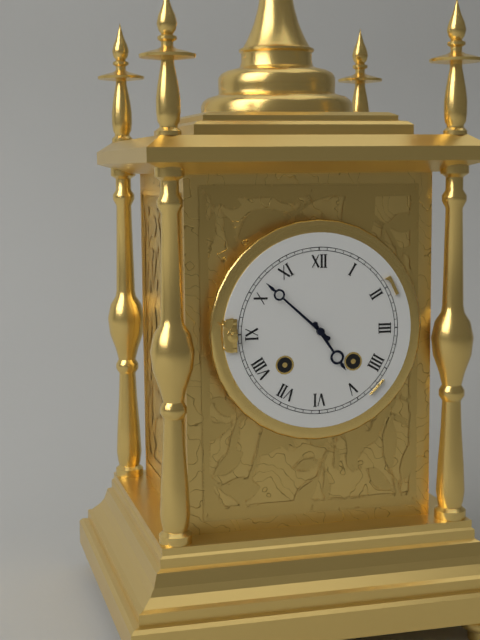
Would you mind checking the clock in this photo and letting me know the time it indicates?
4:52
